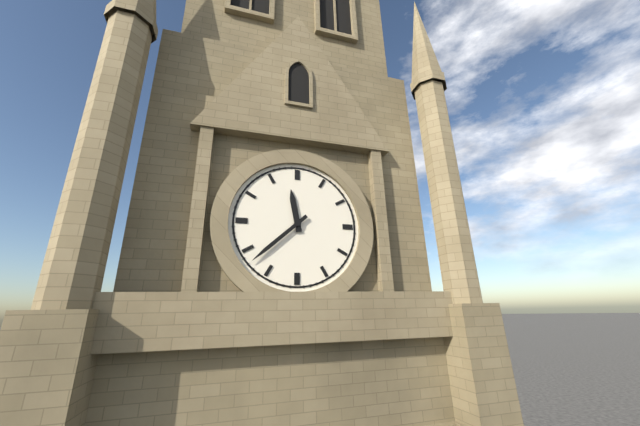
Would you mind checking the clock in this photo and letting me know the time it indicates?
11:38
